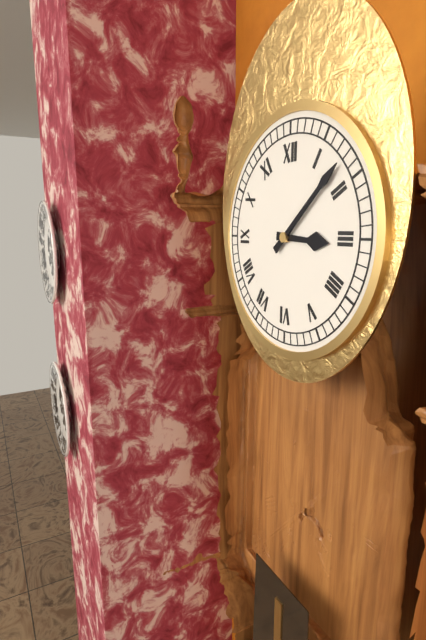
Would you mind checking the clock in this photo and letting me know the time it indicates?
3:08
